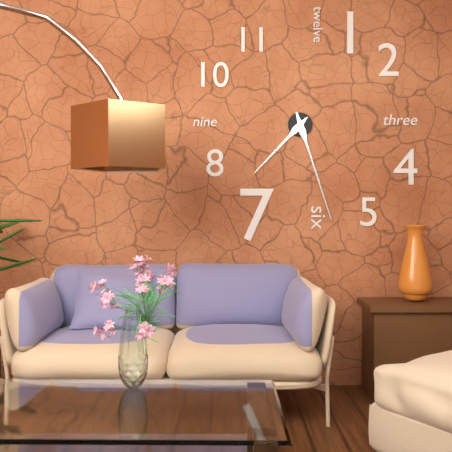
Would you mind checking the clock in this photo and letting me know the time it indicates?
7:27
